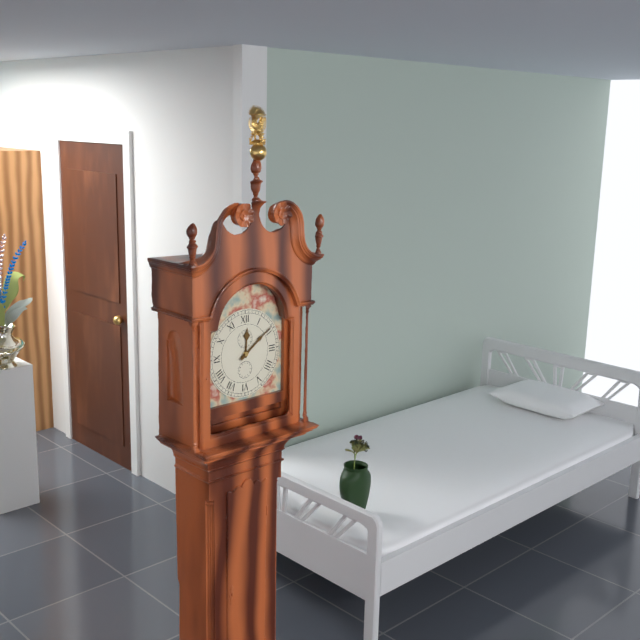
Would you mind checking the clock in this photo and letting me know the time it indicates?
12:09
